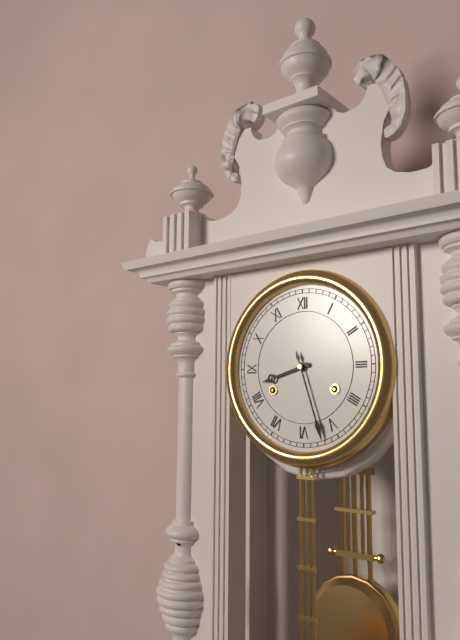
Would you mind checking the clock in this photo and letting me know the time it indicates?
8:27
